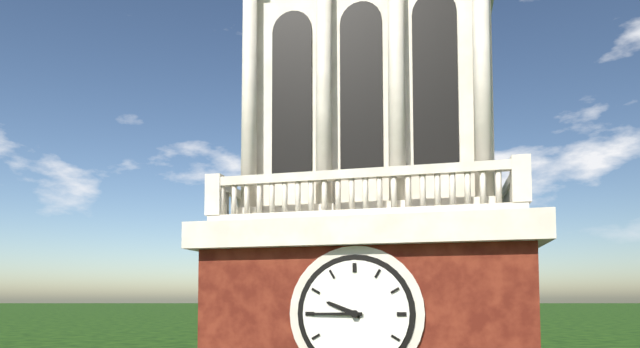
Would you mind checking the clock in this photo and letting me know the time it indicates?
9:45
